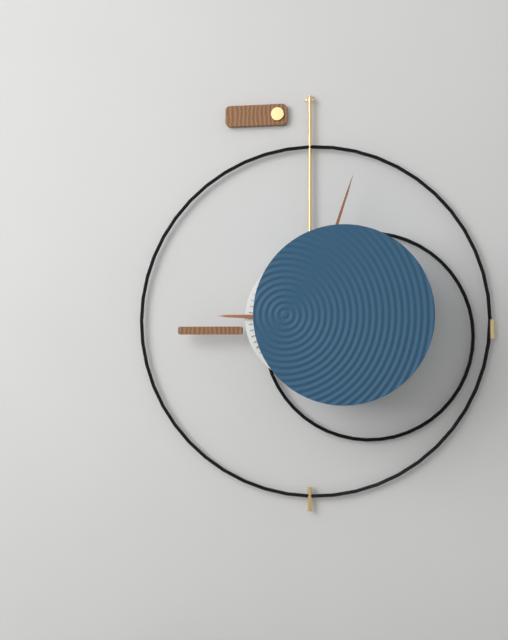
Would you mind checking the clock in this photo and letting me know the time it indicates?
9:03
